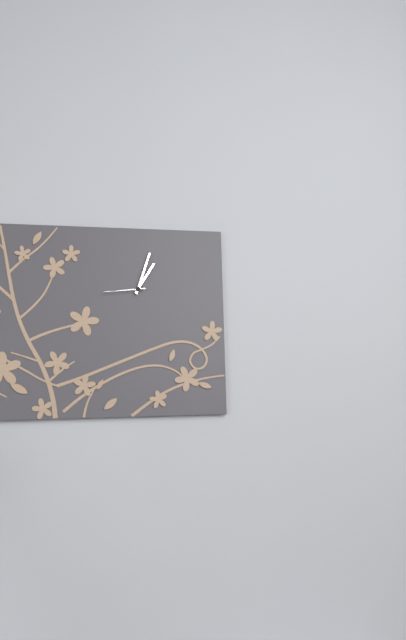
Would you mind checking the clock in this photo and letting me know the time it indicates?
1:03
